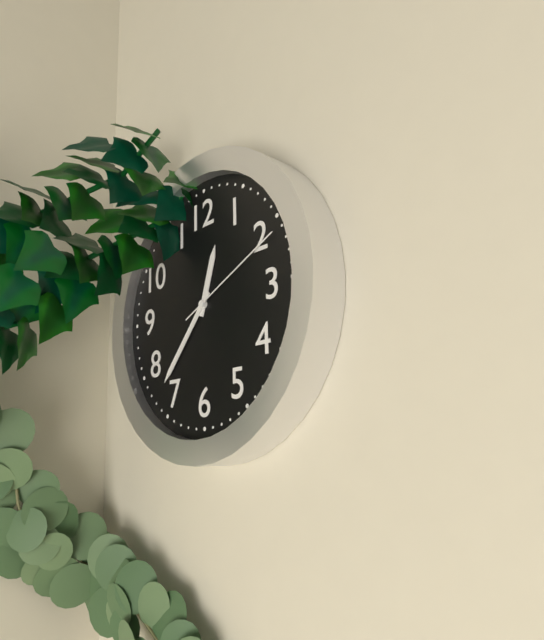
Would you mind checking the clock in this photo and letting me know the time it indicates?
12:37:11
